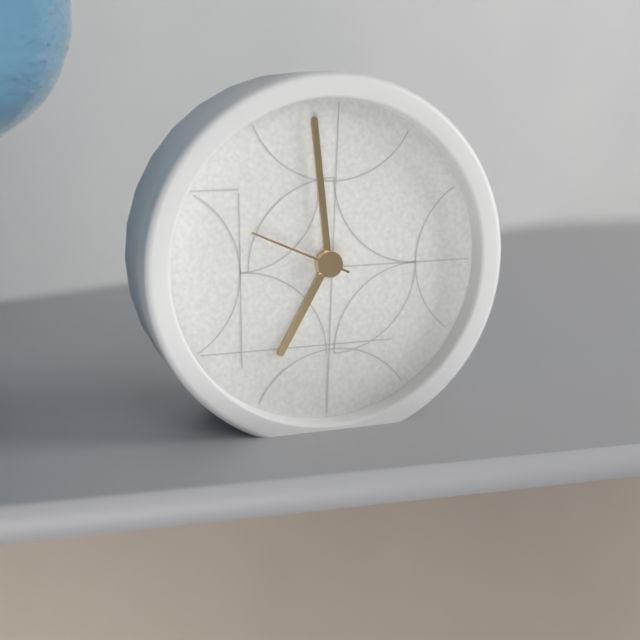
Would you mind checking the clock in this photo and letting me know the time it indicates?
6:59:49
